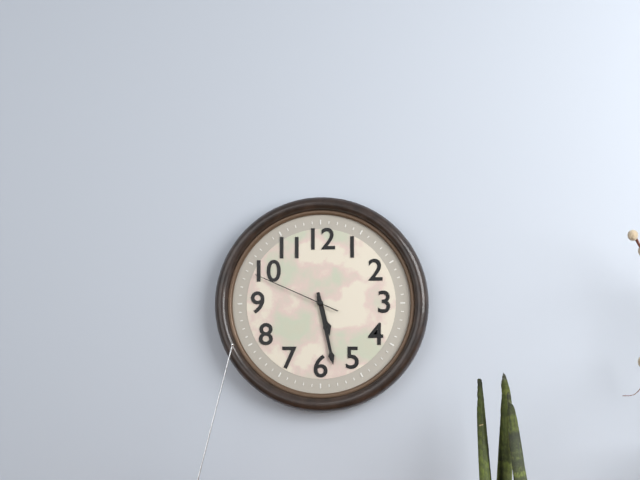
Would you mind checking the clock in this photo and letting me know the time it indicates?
5:28:49
